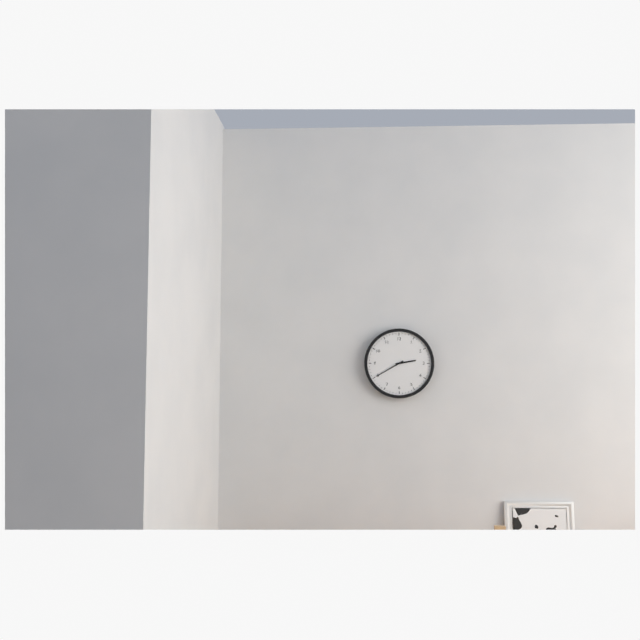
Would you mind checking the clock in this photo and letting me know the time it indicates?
2:40
